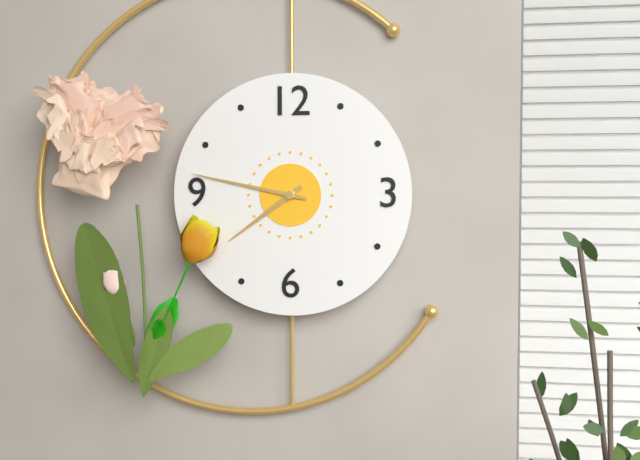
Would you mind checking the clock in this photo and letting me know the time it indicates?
7:47
